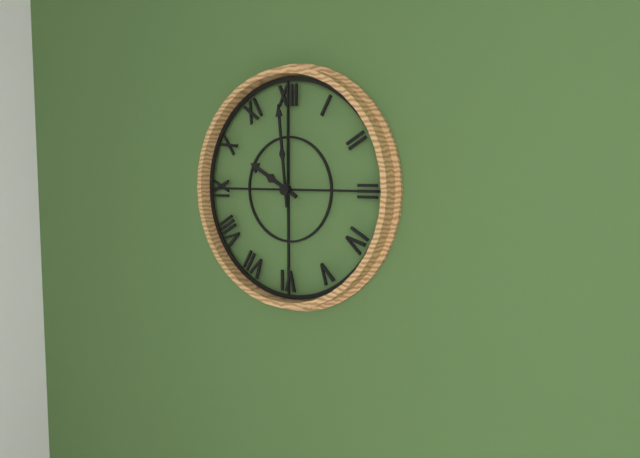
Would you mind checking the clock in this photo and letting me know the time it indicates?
9:59
